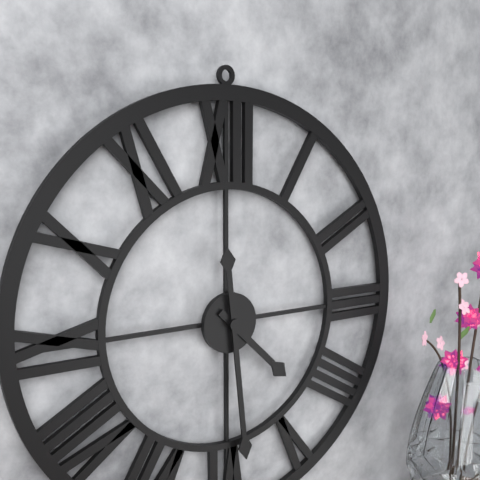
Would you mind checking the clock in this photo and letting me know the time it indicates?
4:29
